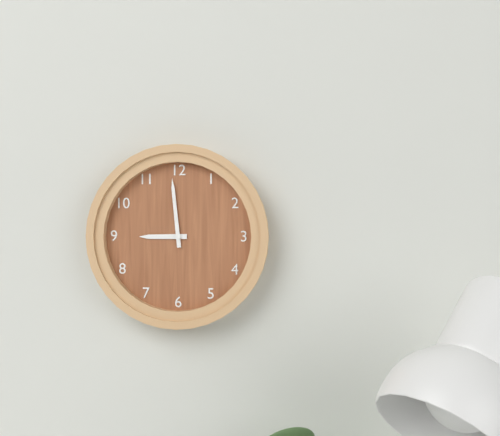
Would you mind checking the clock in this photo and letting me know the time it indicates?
8:59
